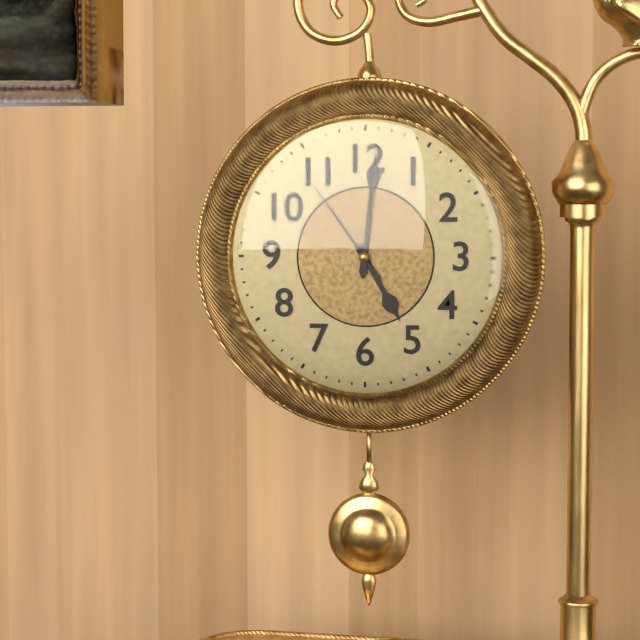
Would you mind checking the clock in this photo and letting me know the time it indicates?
5:01:54
